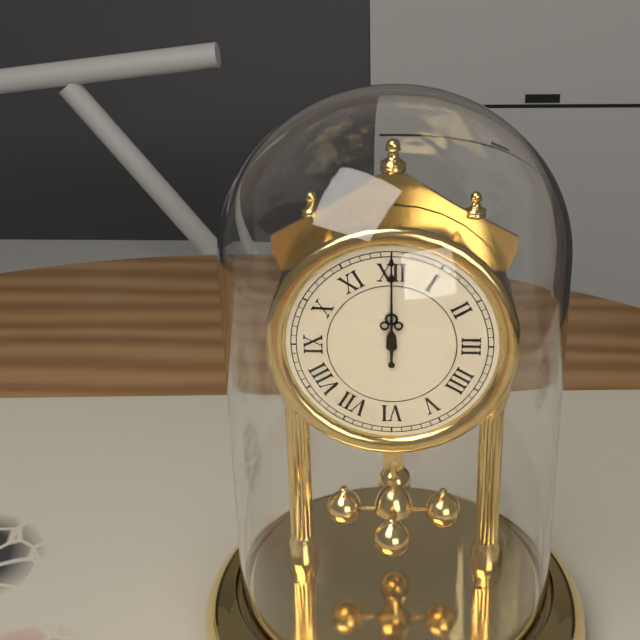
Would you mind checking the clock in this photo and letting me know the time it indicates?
12:00
